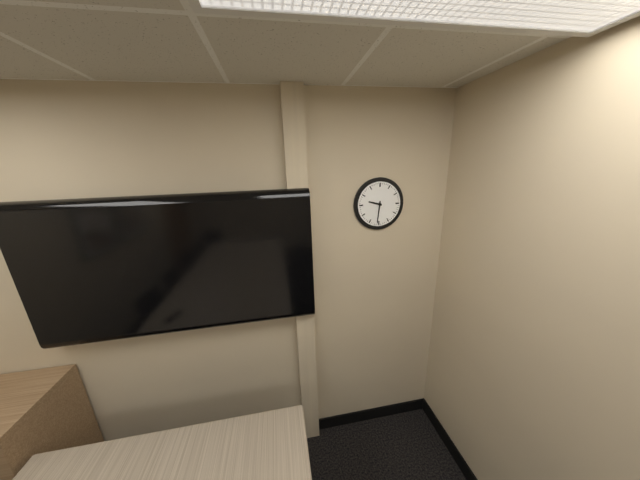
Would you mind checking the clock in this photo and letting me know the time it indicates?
9:31
